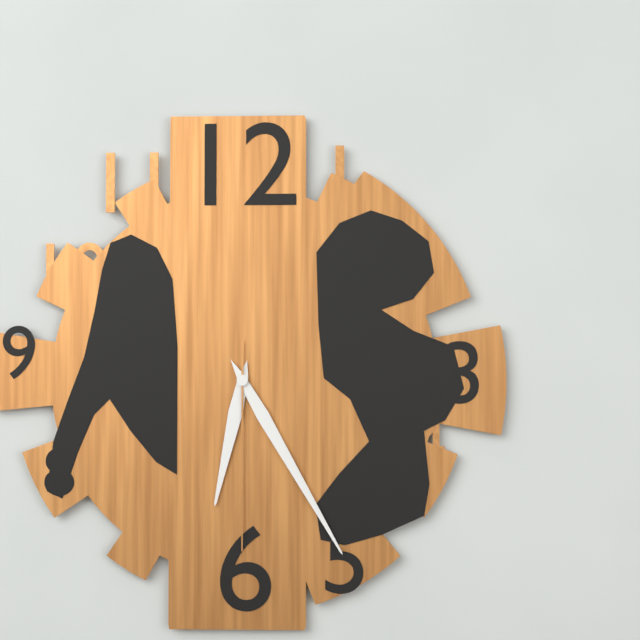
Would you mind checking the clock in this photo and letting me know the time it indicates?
6:25:30
